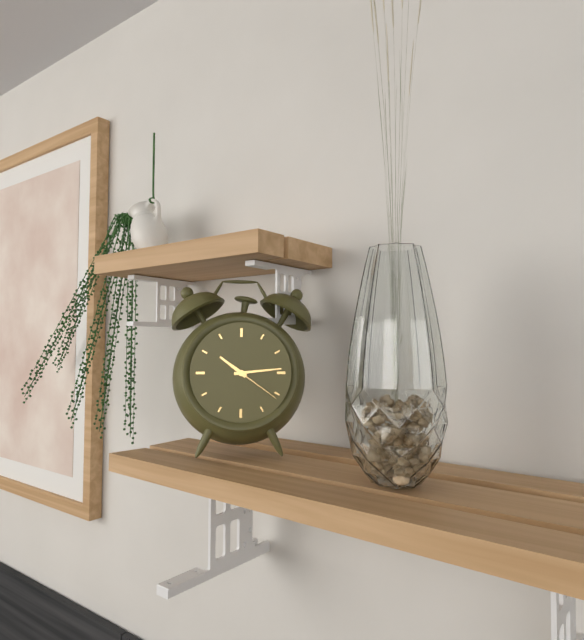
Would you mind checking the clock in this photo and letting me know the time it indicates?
10:14:21
